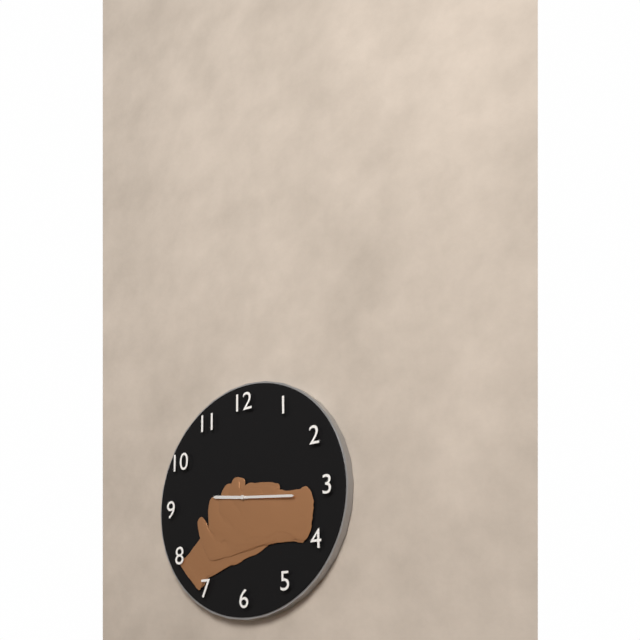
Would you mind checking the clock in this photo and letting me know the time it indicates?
9:16
